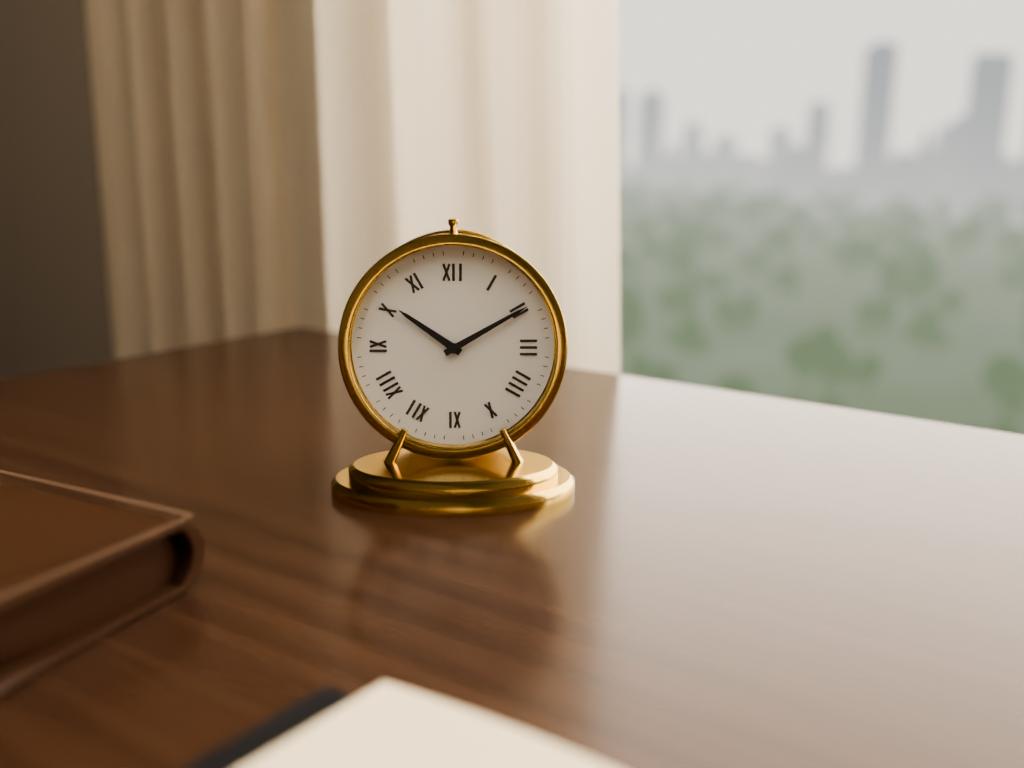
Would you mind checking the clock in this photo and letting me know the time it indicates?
10:10
